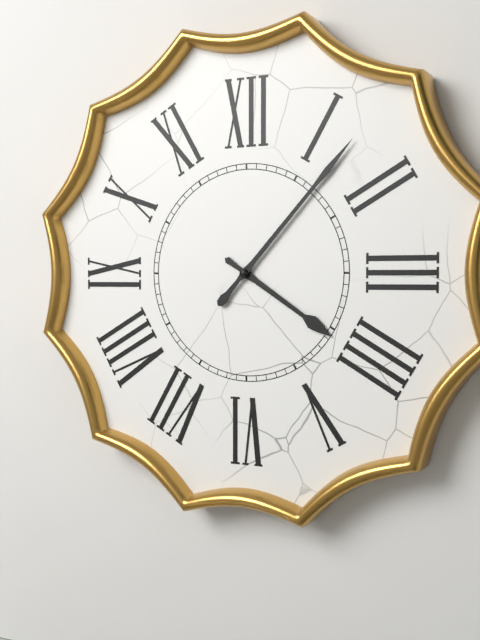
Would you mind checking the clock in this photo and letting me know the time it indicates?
4:07
